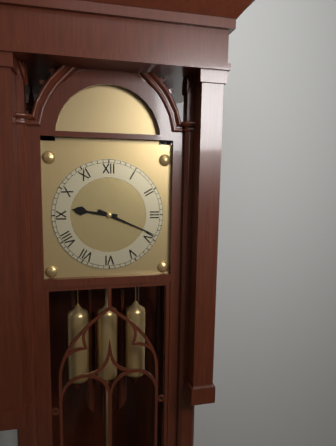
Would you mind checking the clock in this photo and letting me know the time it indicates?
9:19
